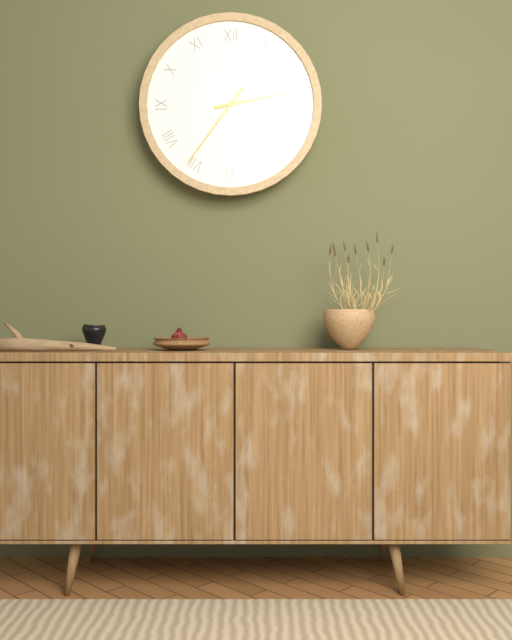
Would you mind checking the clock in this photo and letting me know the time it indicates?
2:36
